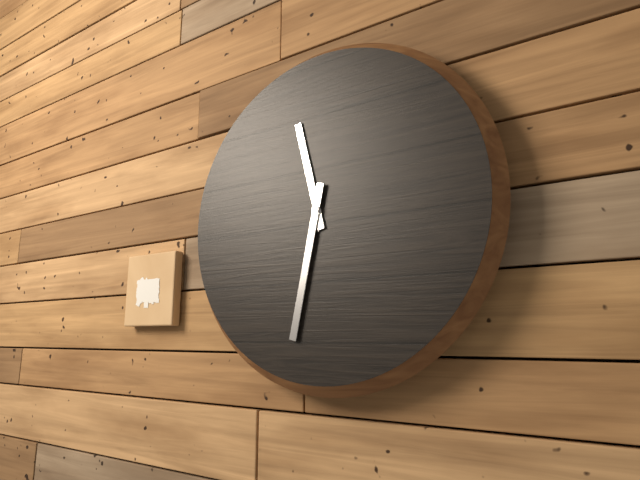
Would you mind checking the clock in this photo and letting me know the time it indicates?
11:32
